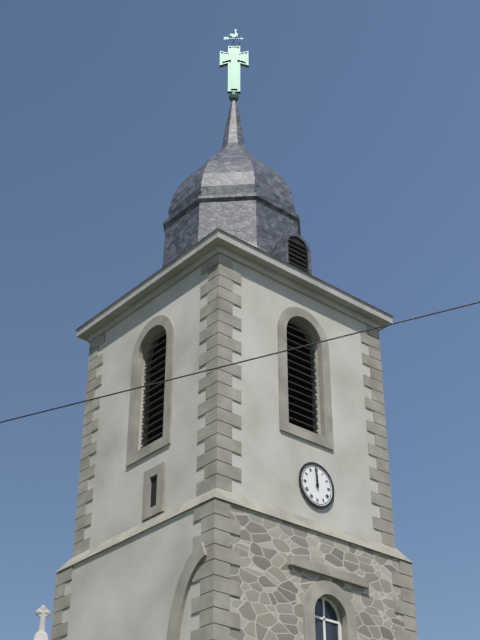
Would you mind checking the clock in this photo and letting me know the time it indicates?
11:59
